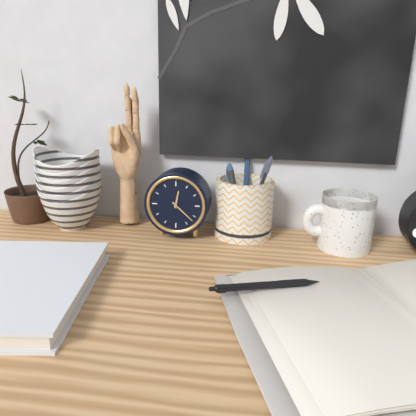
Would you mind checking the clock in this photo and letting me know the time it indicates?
12:22
